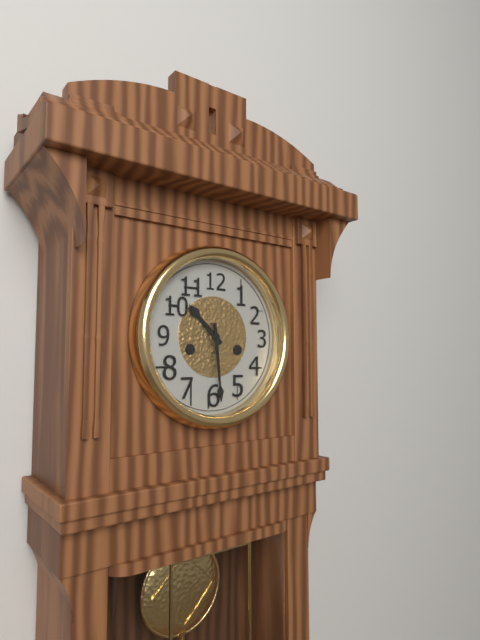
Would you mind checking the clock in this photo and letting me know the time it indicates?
10:29
